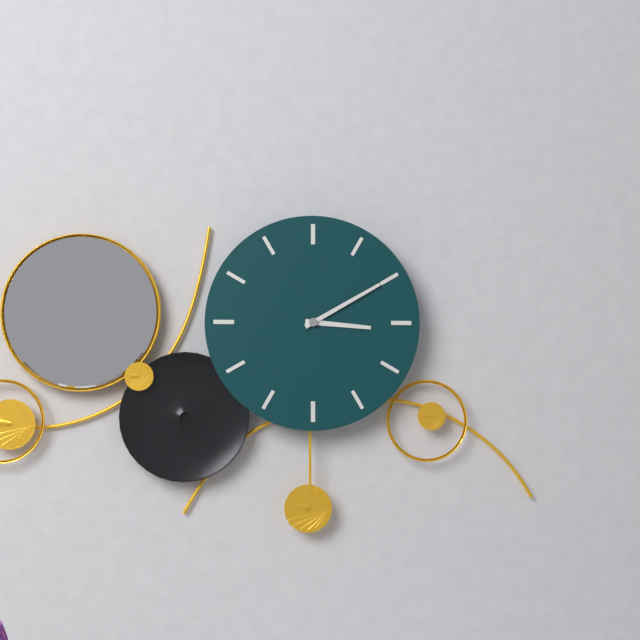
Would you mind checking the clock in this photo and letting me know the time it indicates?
3:10
